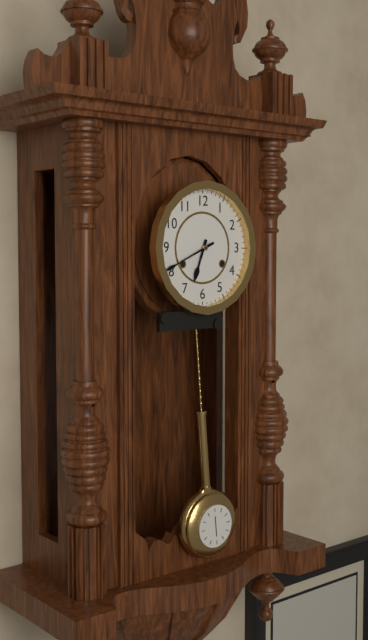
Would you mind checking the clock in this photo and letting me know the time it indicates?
6:41
